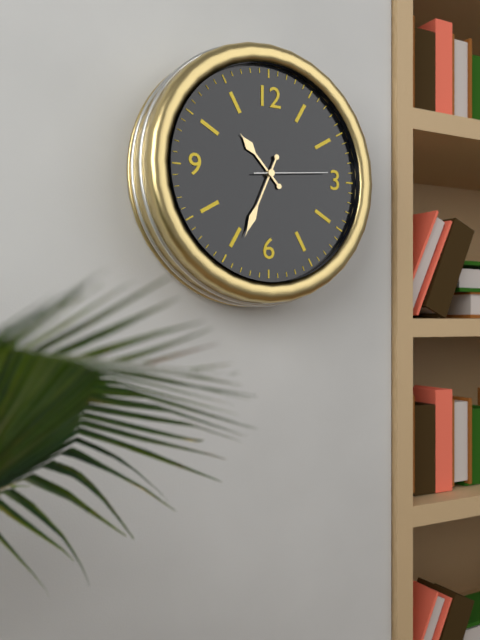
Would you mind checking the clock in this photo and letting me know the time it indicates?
10:34:14
